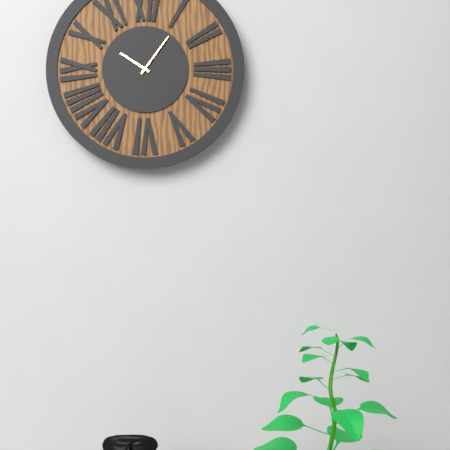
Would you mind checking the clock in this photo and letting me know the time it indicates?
10:06
